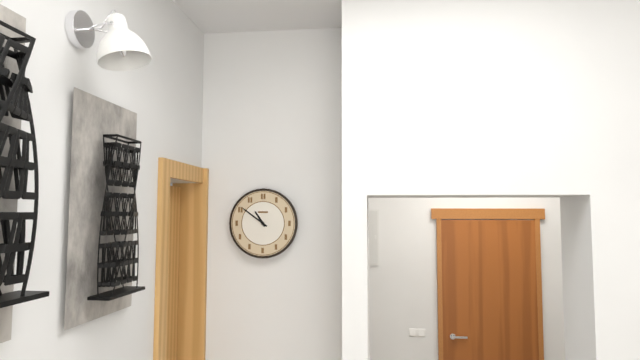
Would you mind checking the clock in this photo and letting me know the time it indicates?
10:51
